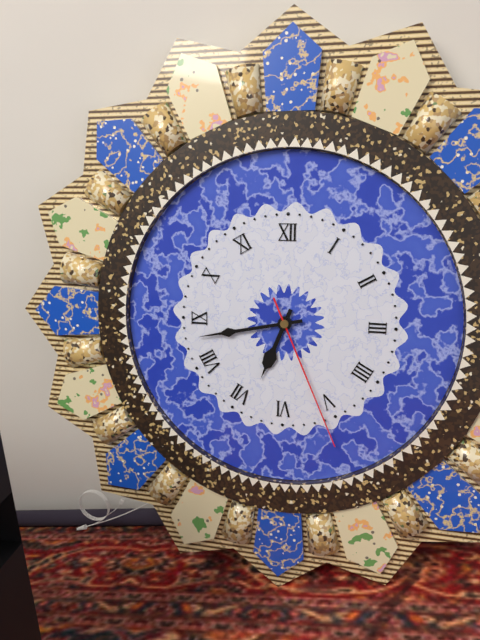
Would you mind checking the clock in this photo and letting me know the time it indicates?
6:43:26
